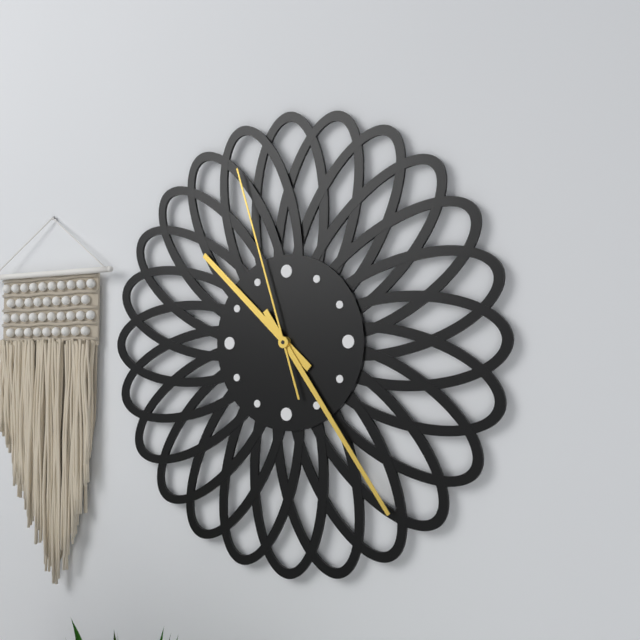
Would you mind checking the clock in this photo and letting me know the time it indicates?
10:24:57
